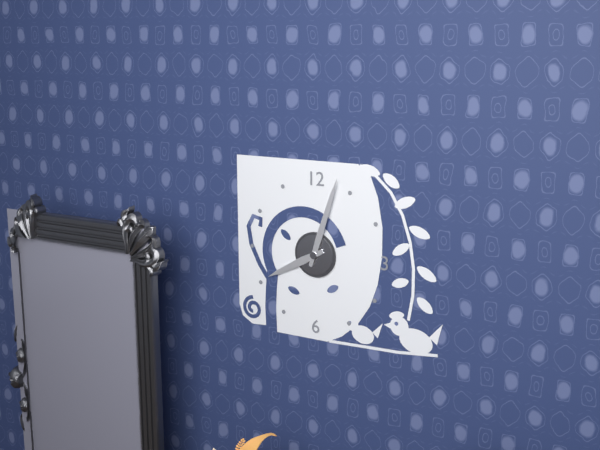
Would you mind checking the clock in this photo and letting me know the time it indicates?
8:03
